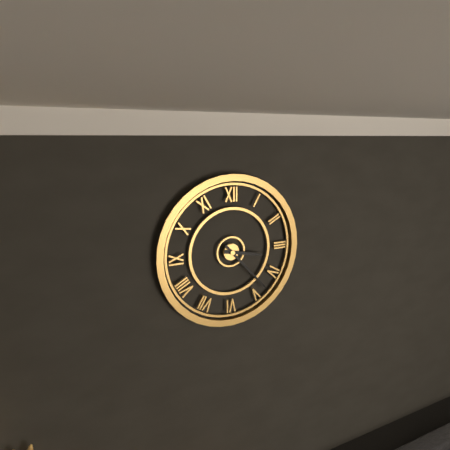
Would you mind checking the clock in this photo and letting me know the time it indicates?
3:23
